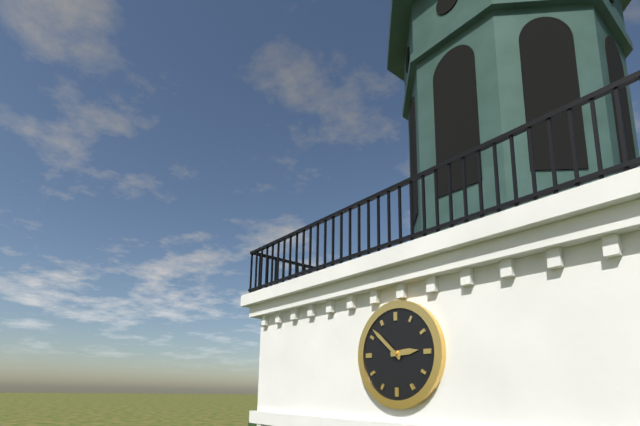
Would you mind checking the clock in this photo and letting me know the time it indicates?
2:52
